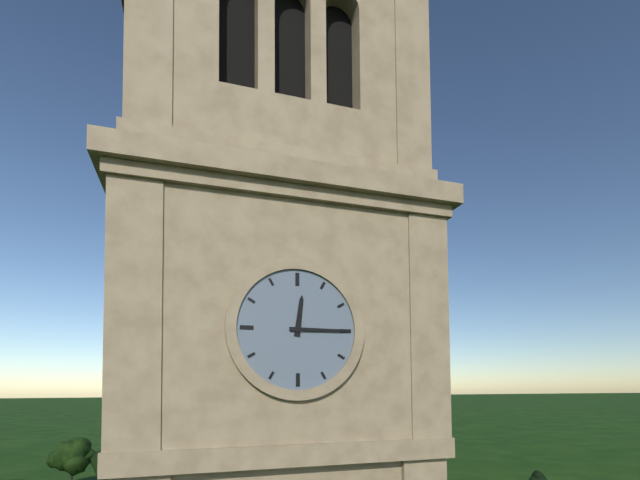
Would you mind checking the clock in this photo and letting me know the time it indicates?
12:15
